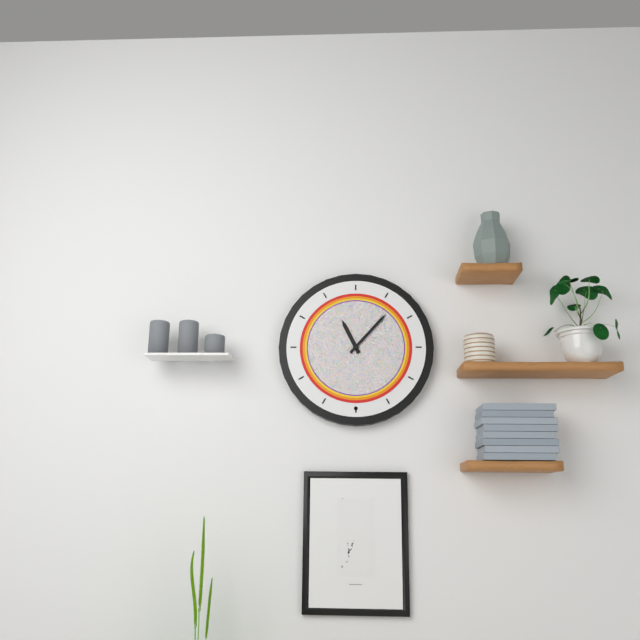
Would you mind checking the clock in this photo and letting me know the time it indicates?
11:07
